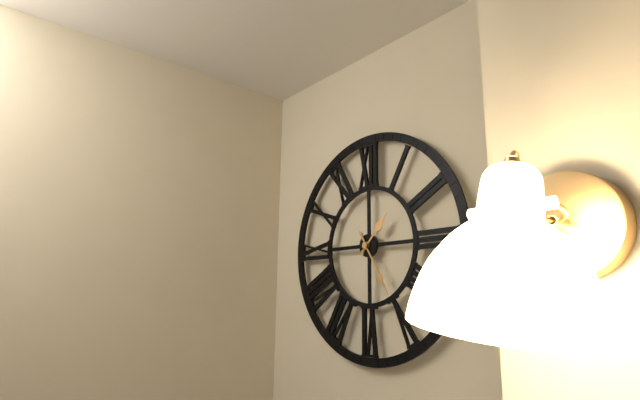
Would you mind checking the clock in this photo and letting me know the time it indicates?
1:25
